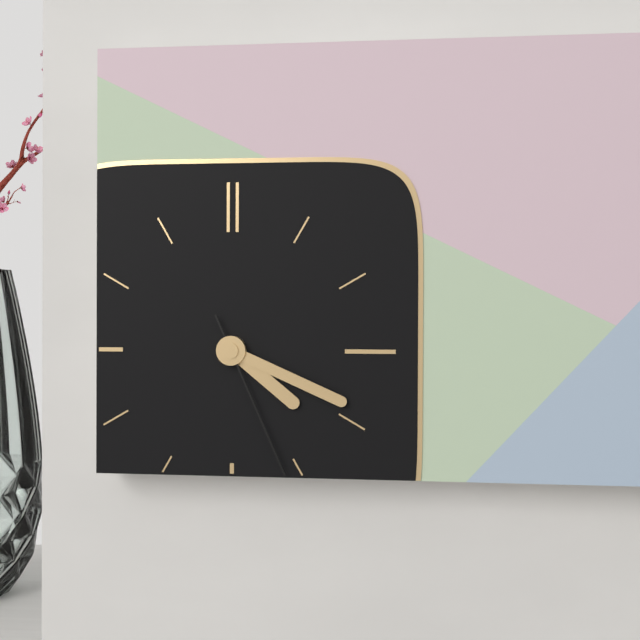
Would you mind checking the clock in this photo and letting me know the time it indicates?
4:19:26
